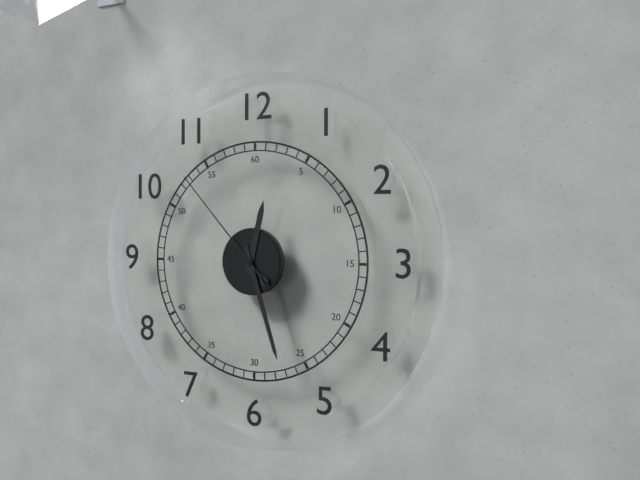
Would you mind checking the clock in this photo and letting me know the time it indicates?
12:27:53
